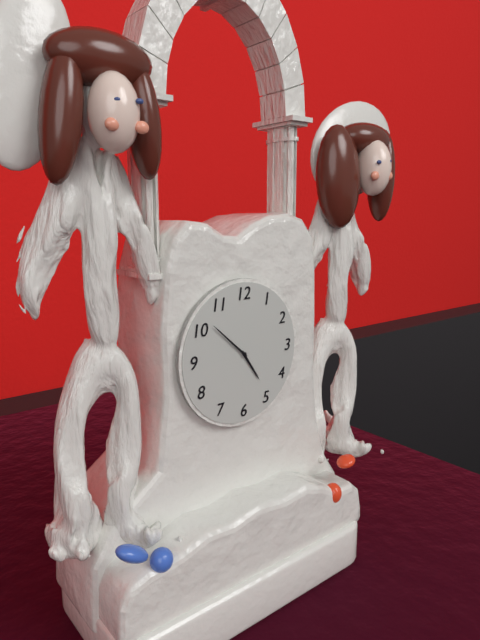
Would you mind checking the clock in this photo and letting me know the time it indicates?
4:52
